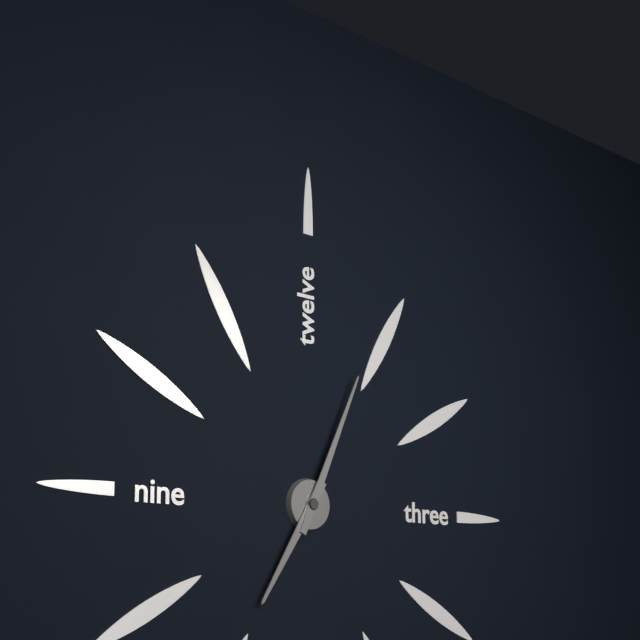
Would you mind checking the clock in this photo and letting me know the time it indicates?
7:04
